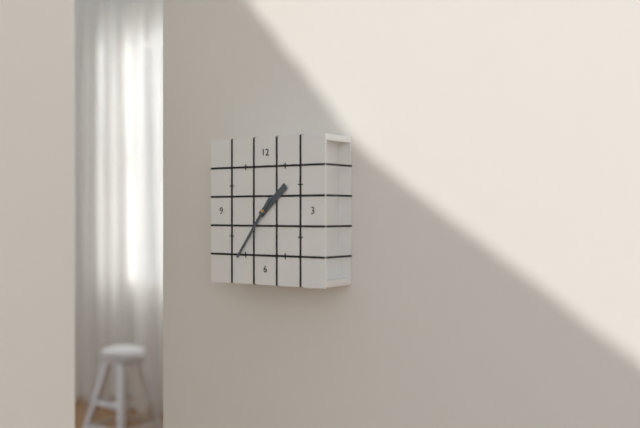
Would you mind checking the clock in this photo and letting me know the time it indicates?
1:36
